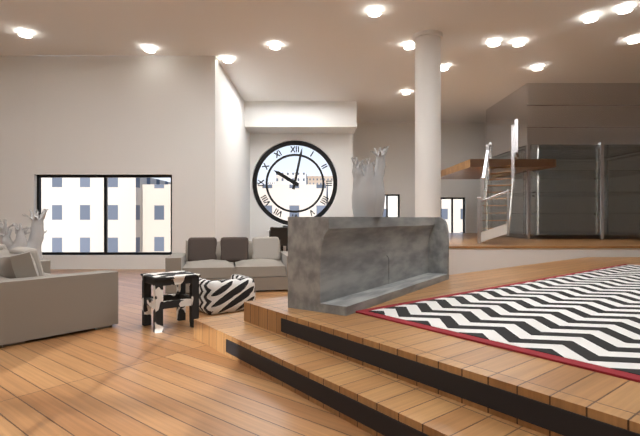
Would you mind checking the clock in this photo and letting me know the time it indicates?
10:02
